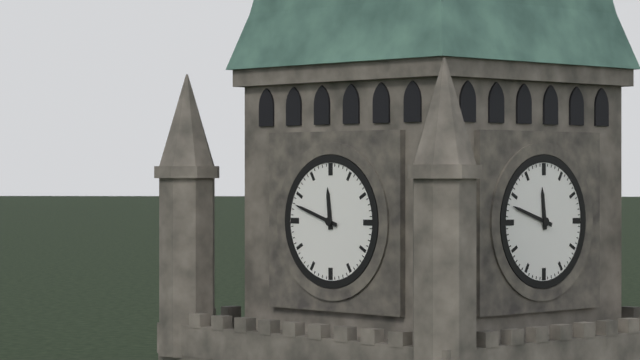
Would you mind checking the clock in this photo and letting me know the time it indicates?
11:48
